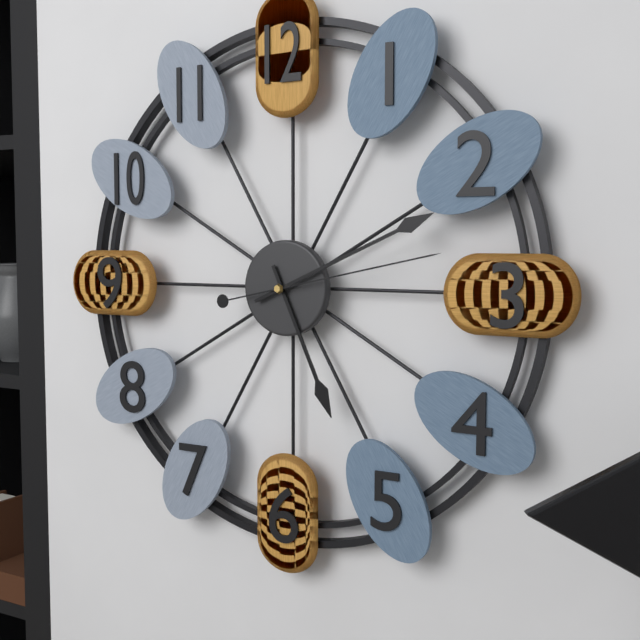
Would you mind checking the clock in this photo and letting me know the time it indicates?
5:11:13
